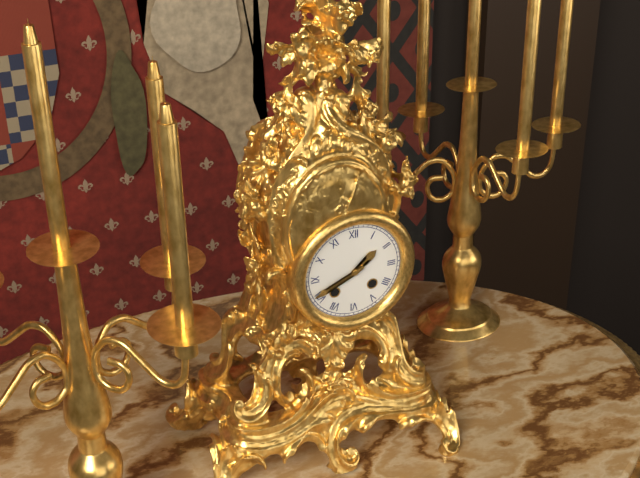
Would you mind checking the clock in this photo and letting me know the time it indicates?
1:41
